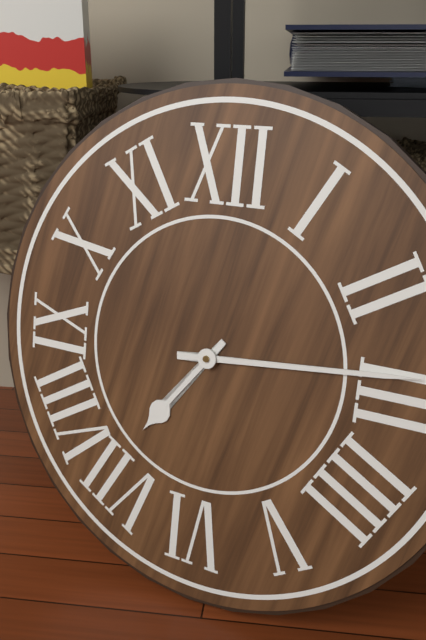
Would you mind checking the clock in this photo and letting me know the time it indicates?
7:14
